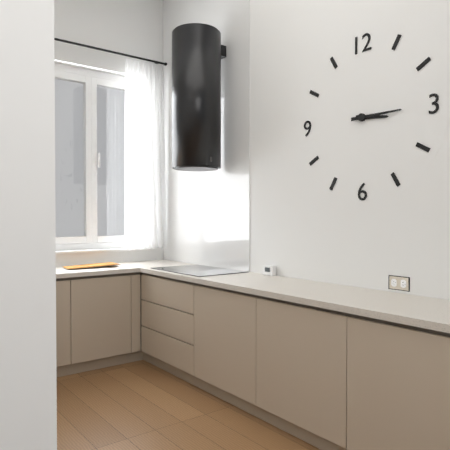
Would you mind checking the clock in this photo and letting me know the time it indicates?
3:15
